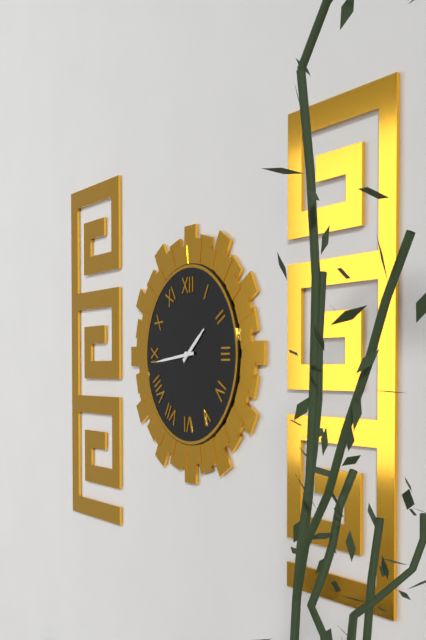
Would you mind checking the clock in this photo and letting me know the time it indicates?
1:44
